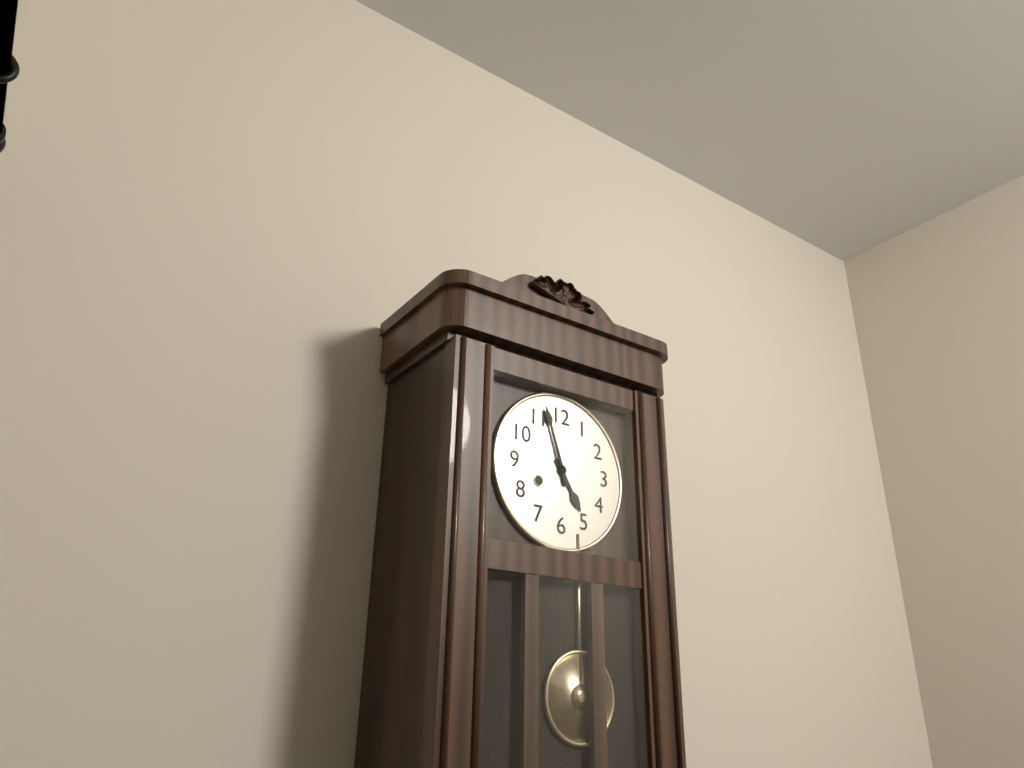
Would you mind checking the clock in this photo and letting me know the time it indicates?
4:57
